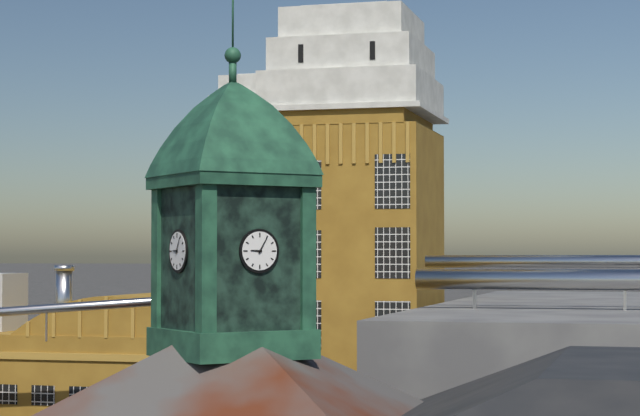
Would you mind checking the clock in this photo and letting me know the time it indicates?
9:05
